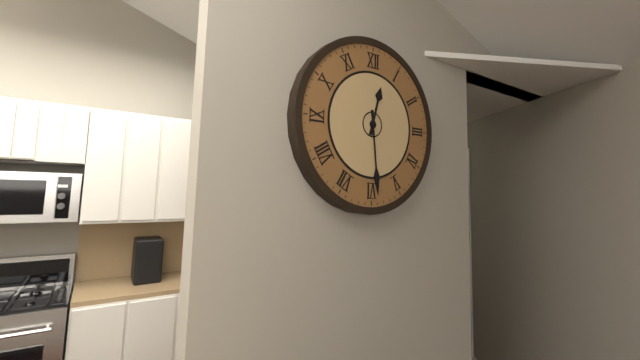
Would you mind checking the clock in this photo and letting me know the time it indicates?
12:29
